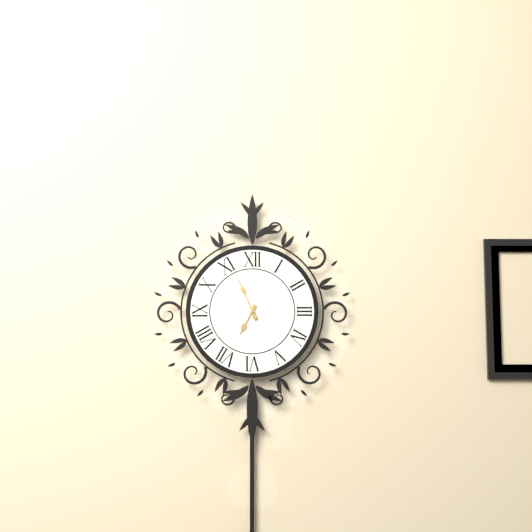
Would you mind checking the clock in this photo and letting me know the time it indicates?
6:56
